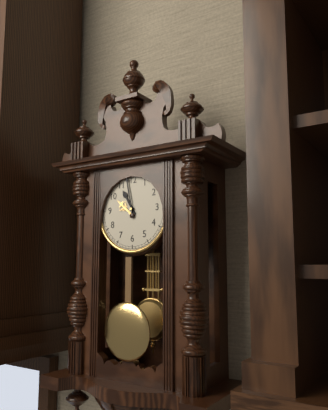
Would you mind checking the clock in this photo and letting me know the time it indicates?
10:58
